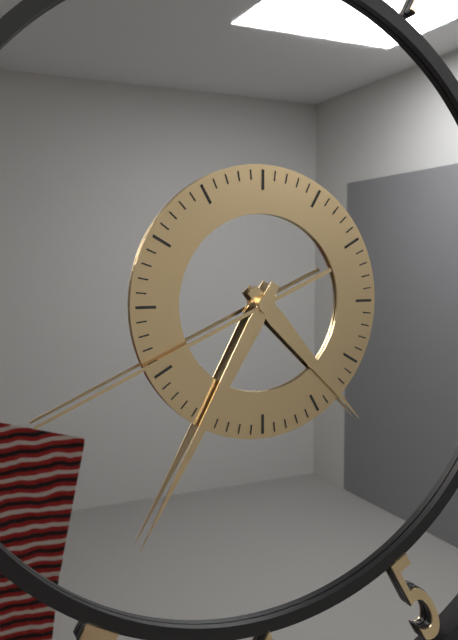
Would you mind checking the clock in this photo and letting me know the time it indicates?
4:35:41
